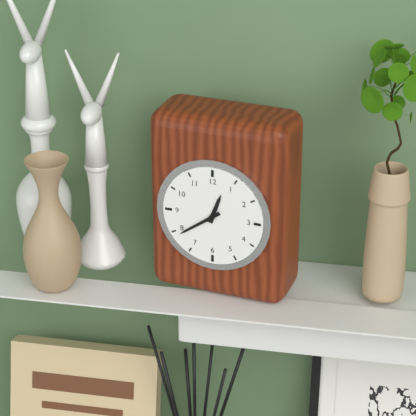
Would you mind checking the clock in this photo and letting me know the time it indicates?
12:39
